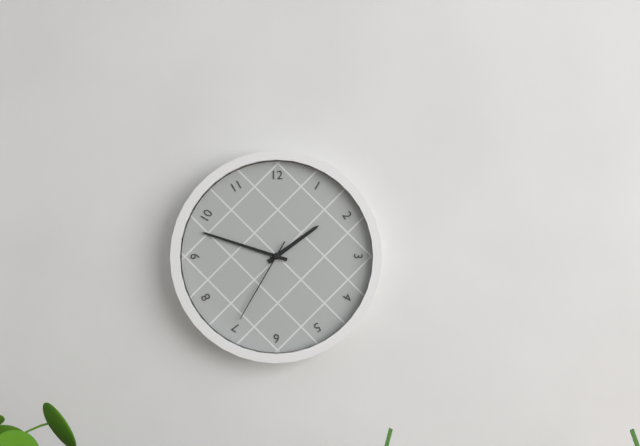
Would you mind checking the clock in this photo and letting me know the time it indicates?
1:48:35
